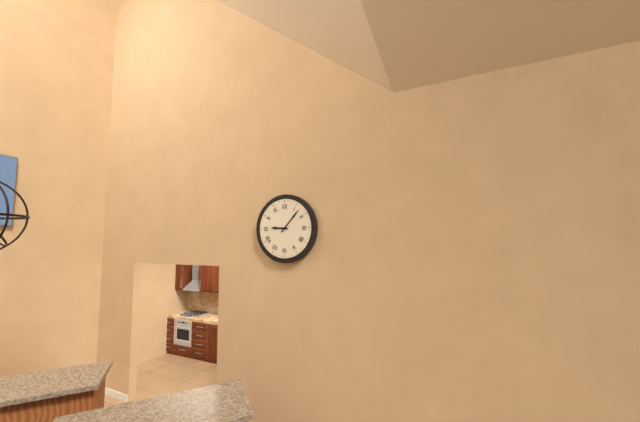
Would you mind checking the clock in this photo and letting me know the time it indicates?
9:07
